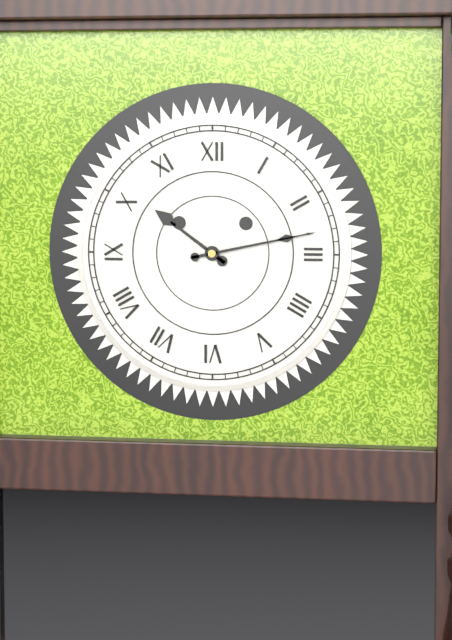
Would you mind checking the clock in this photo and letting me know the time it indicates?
10:13
